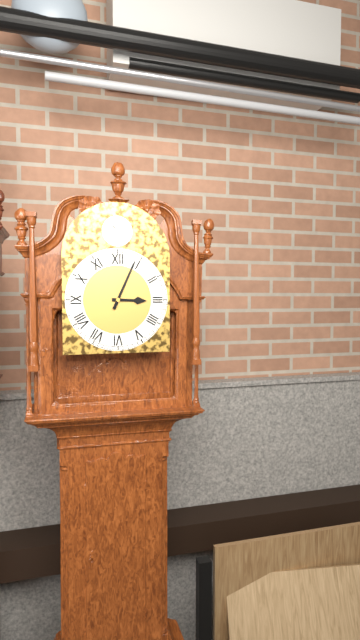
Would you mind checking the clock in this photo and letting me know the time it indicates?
3:04
